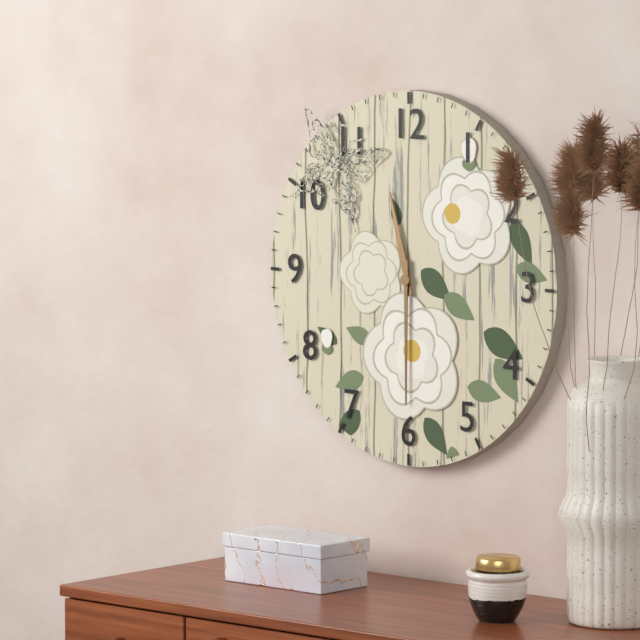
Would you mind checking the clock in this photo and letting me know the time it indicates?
11:30
